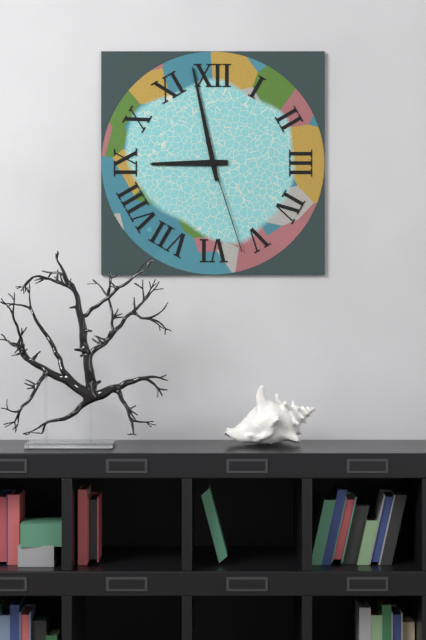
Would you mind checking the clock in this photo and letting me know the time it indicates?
8:58:27
